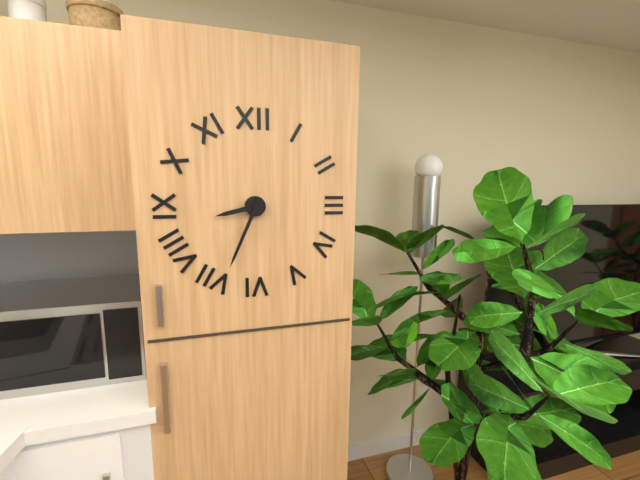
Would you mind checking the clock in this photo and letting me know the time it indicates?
8:34
